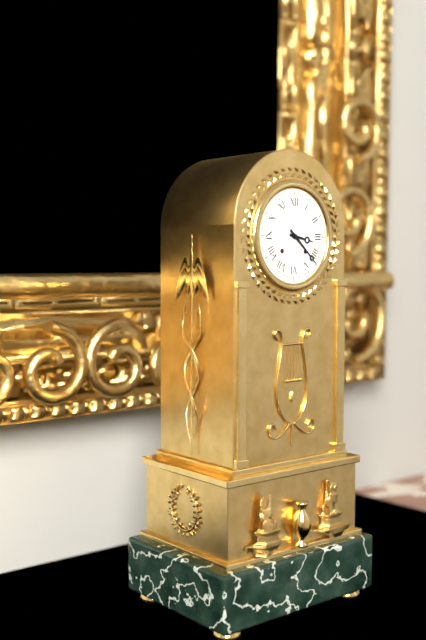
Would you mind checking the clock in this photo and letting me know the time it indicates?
3:22
